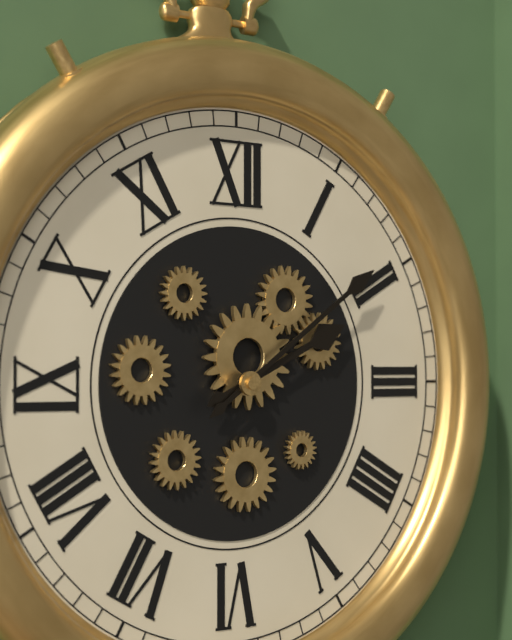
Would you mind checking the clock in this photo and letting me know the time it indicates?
2:09
